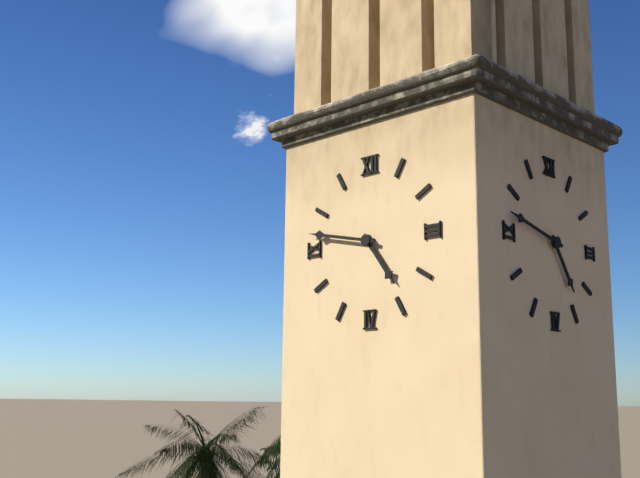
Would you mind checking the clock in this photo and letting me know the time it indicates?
4:47
